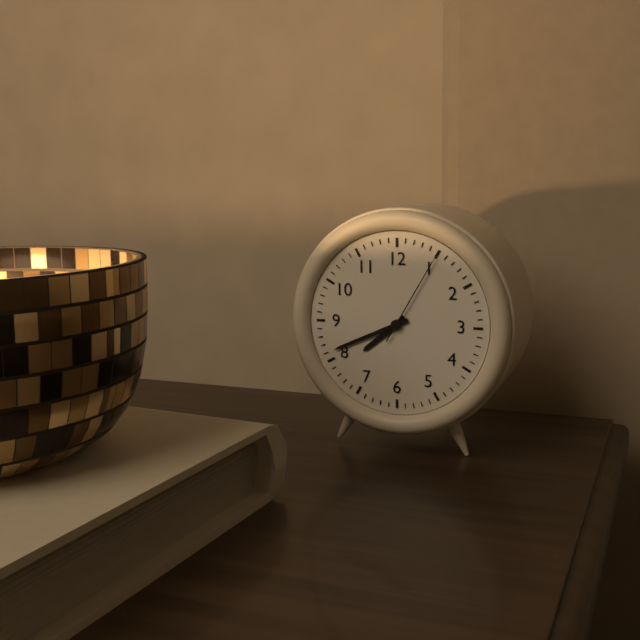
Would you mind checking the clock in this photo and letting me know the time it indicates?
7:41:05
